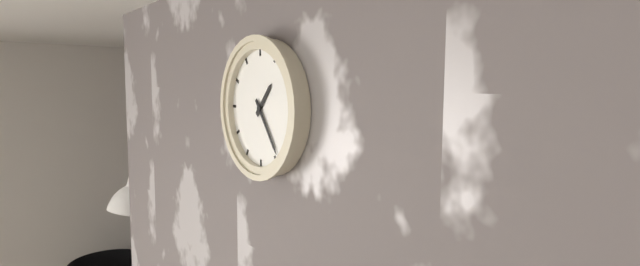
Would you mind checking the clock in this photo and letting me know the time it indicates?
1:24
